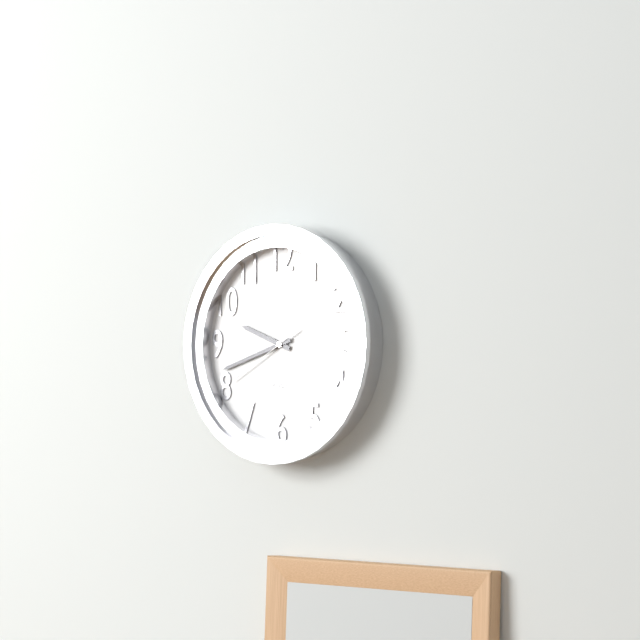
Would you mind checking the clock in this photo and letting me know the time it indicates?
9:42:40
